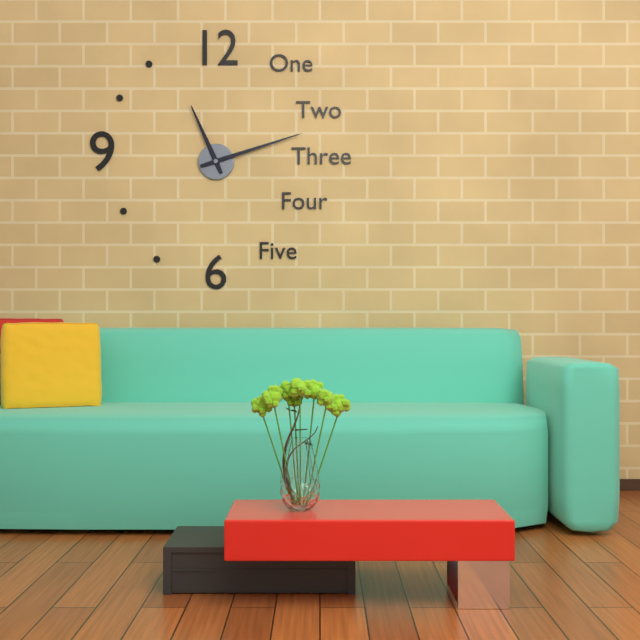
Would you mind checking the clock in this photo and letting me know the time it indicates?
11:12
